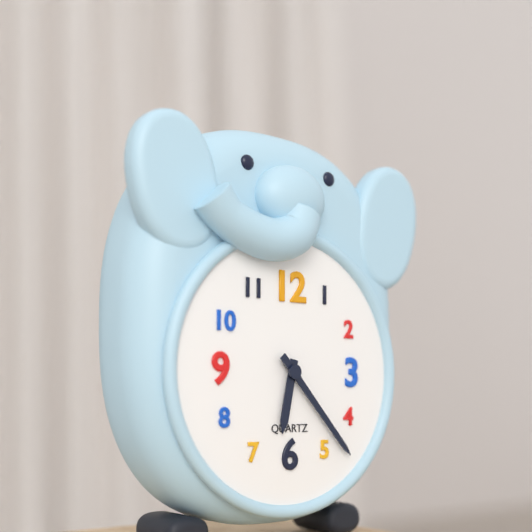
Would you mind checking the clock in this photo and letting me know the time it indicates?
6:23
